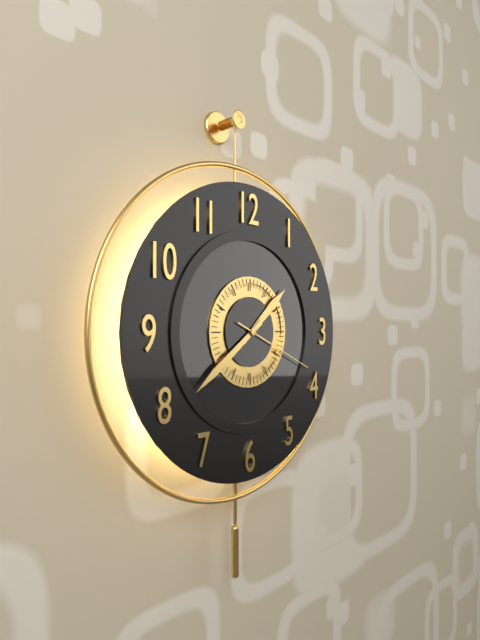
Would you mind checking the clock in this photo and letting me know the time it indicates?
1:39:19
